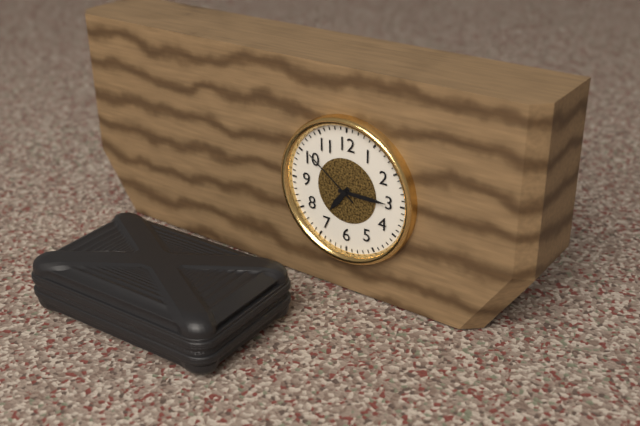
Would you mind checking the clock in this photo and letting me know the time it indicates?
7:15:51
